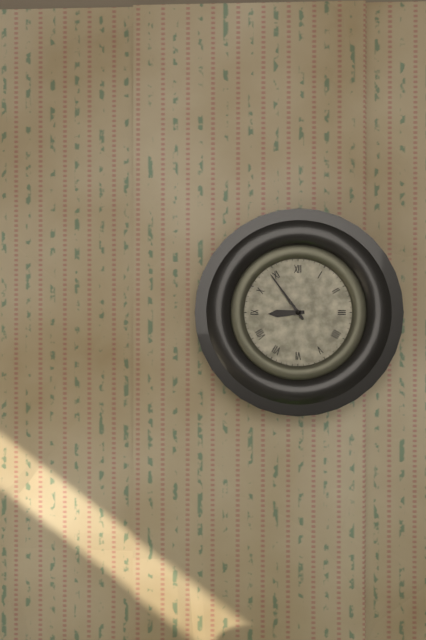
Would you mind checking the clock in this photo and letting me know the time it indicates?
8:54
